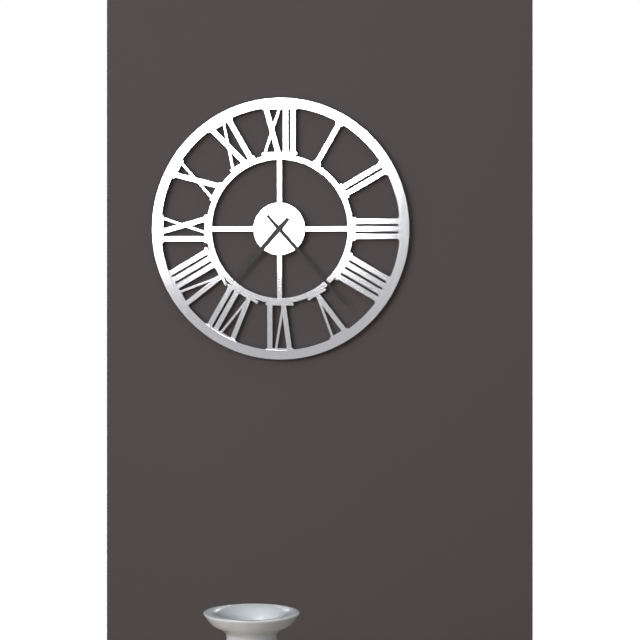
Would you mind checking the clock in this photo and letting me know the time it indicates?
7:23
